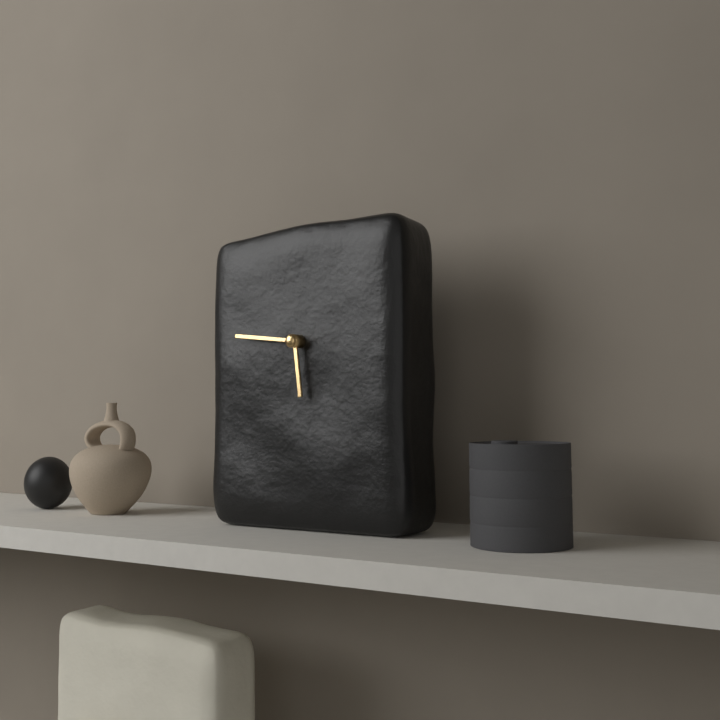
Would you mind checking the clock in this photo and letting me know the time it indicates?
5:46
